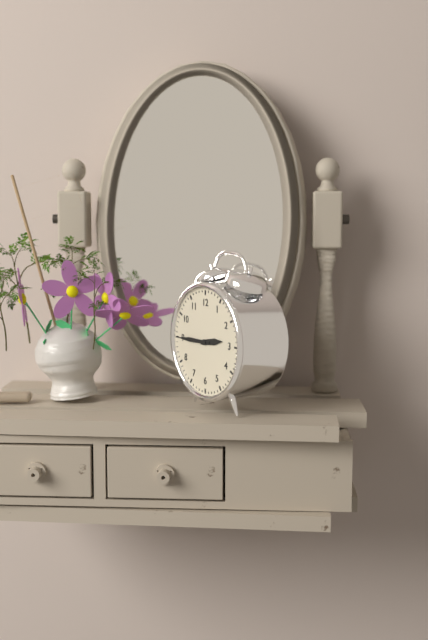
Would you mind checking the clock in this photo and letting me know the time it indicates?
2:45
